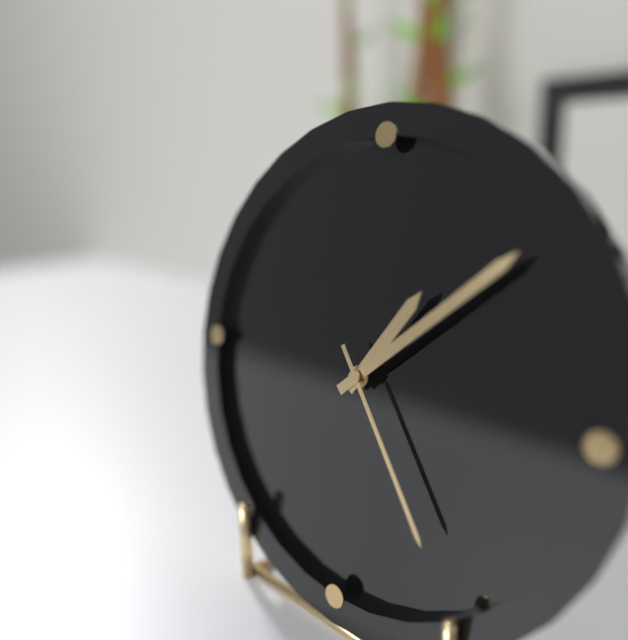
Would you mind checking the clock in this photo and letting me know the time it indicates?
1:08:24
